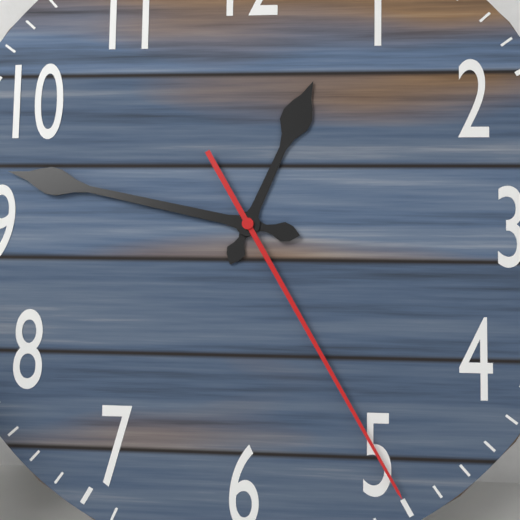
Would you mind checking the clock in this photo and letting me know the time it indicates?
12:47:25
